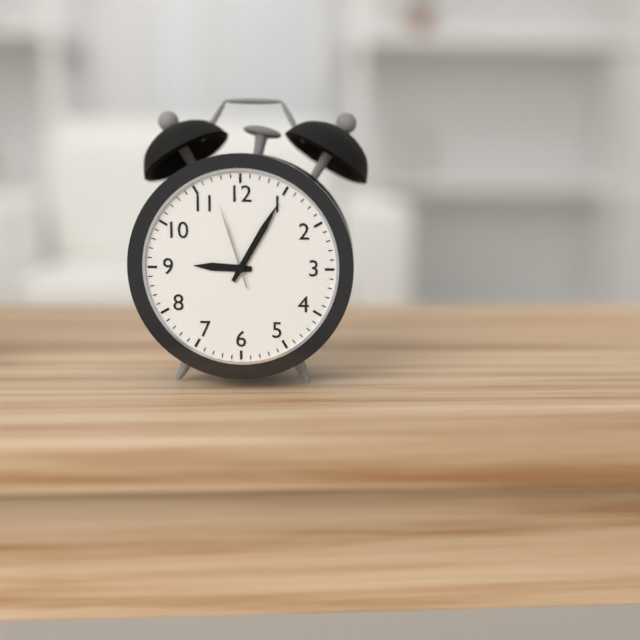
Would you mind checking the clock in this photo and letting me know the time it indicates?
9:05:57
